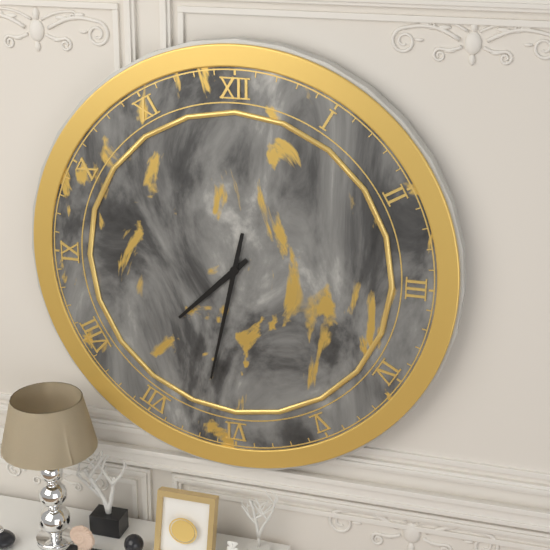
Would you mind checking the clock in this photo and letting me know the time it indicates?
7:32
